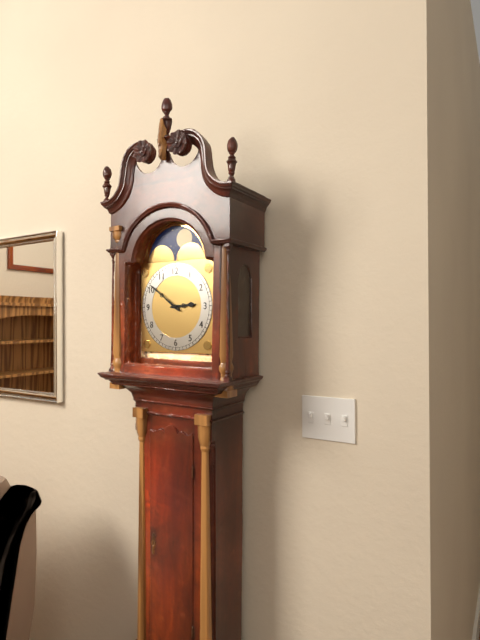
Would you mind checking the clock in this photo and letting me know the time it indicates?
2:51
